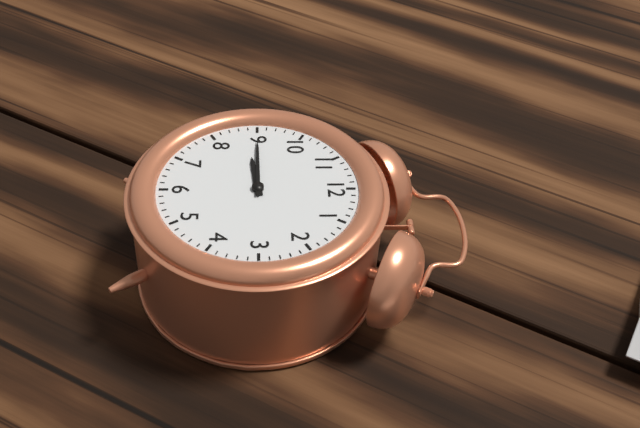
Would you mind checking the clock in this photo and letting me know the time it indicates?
8:45
